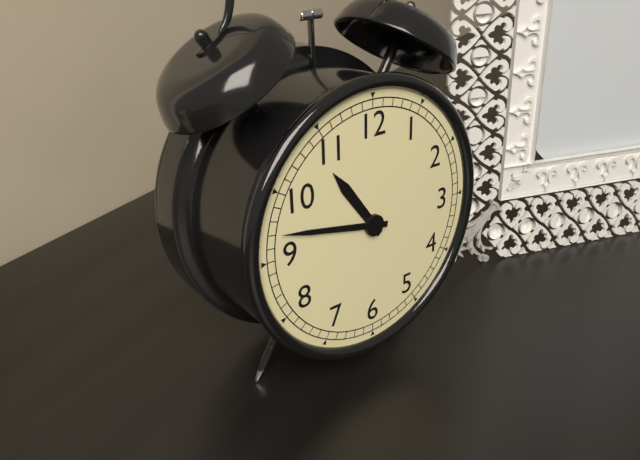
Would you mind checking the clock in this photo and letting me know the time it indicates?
10:47
